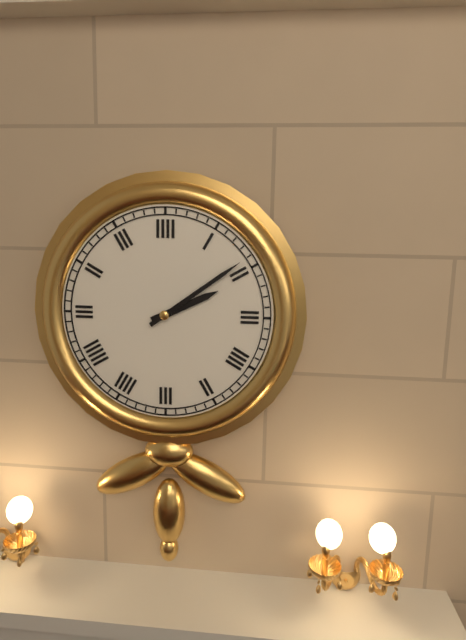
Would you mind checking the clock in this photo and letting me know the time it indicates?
2:09
